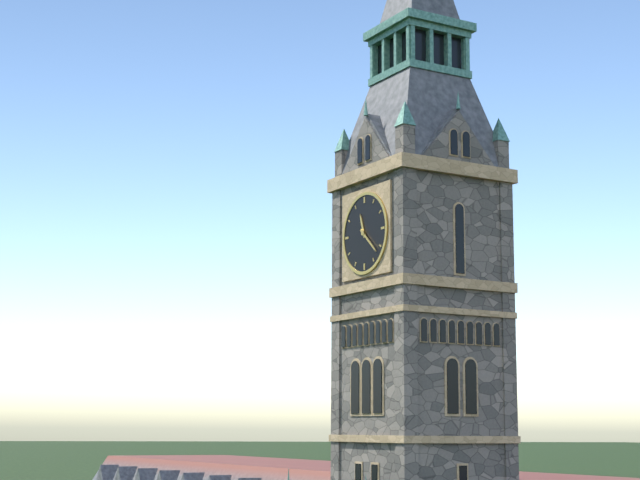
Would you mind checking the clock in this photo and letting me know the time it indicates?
11:22
